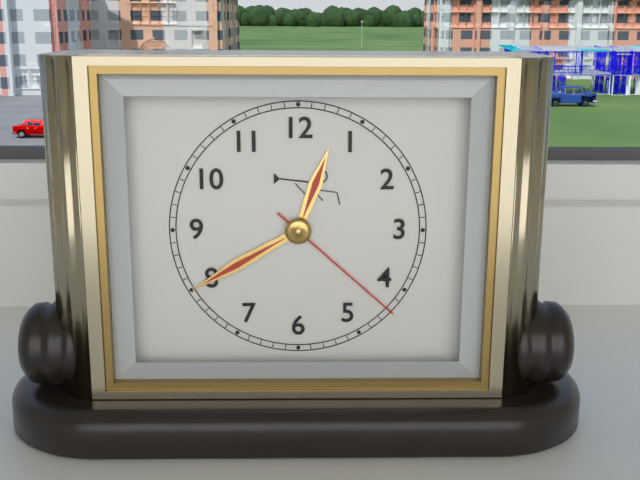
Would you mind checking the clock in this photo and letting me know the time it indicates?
12:40:22
